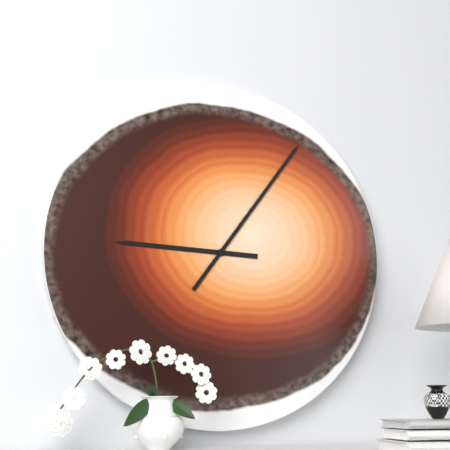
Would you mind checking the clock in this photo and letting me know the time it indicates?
9:06
